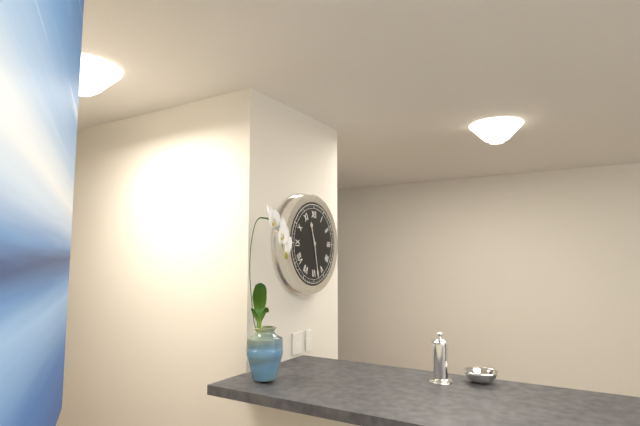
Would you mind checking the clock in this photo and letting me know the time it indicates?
11:28
